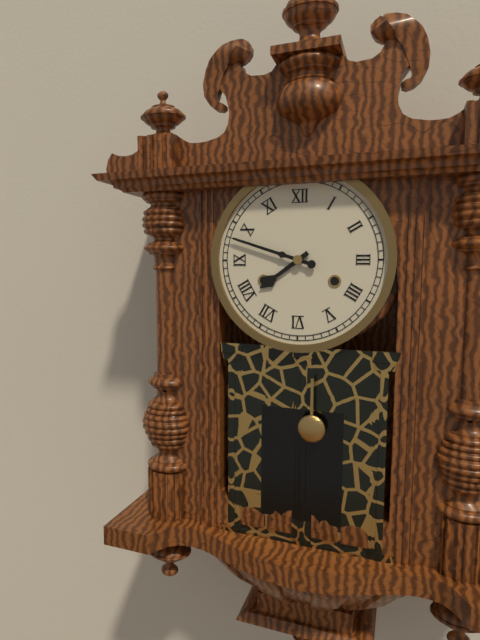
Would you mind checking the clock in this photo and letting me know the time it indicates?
7:48
